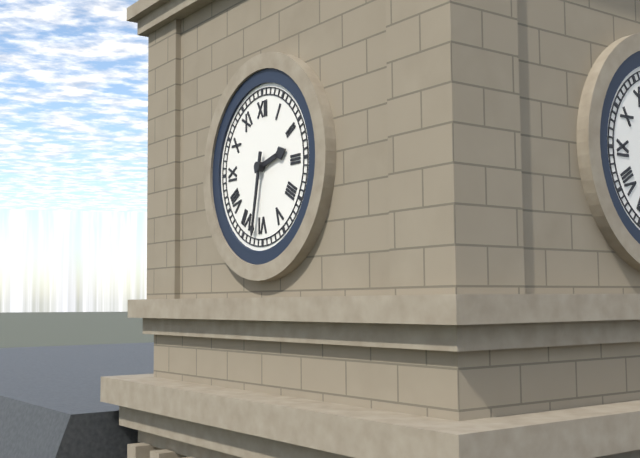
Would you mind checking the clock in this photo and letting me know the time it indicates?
2:32
